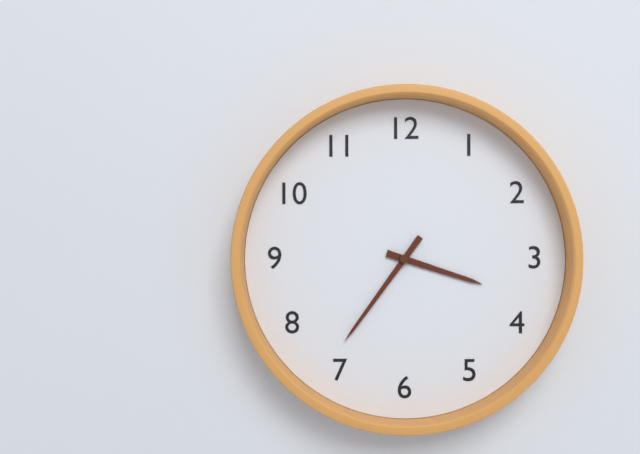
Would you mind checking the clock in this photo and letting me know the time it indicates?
3:36
